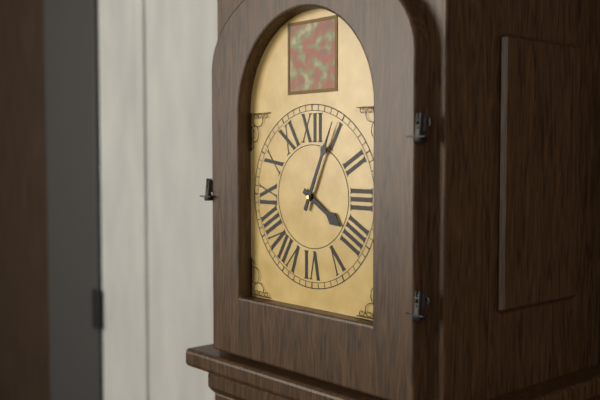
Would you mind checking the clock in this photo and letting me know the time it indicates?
4:04
